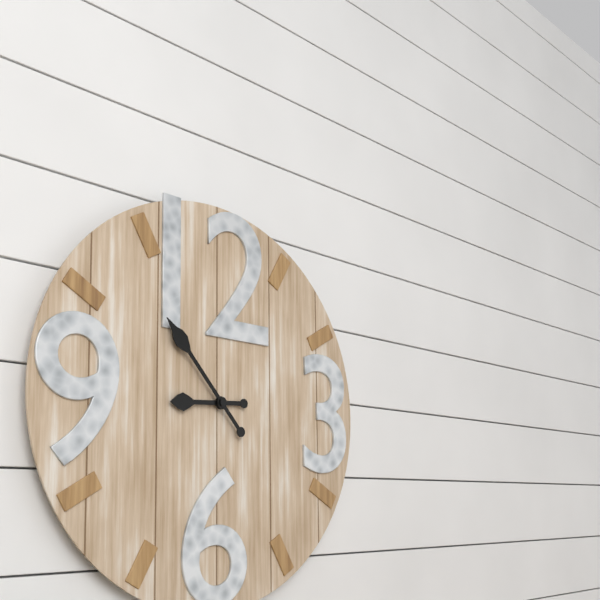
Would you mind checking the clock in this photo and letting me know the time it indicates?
8:53
